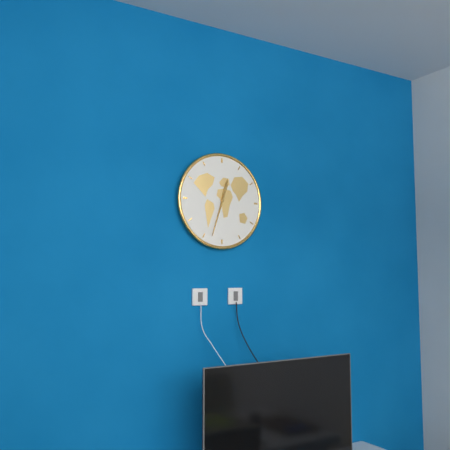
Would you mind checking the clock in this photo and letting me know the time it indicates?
12:33
